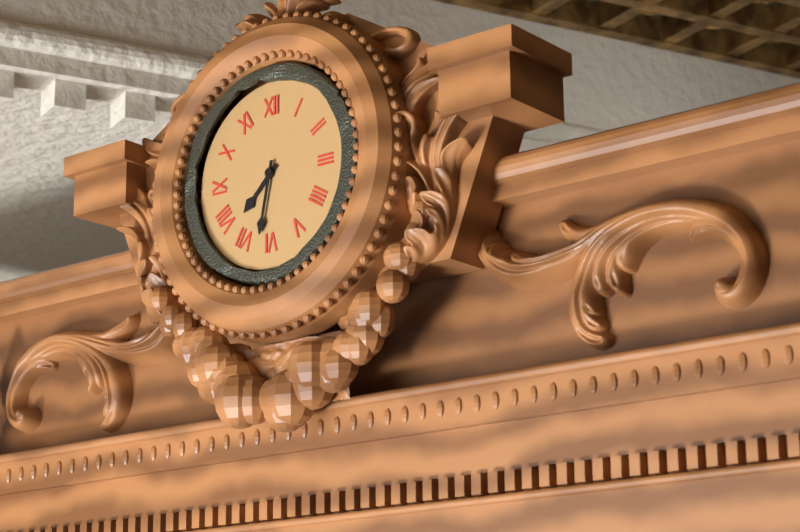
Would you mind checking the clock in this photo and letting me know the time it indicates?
7:32
